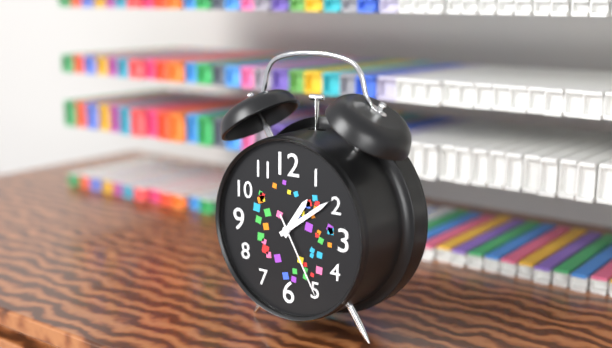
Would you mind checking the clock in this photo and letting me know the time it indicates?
1:09:25
